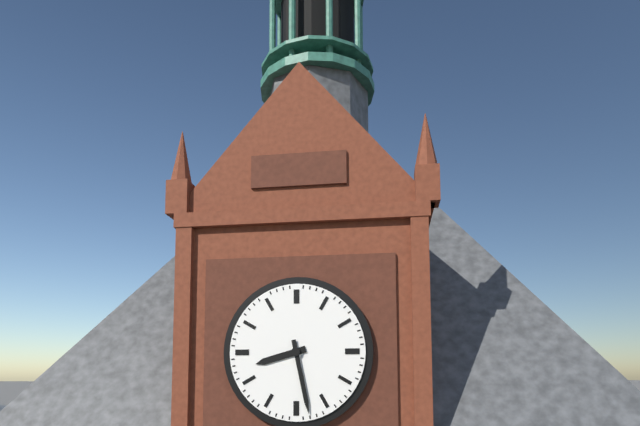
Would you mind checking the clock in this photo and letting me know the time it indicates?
8:28
